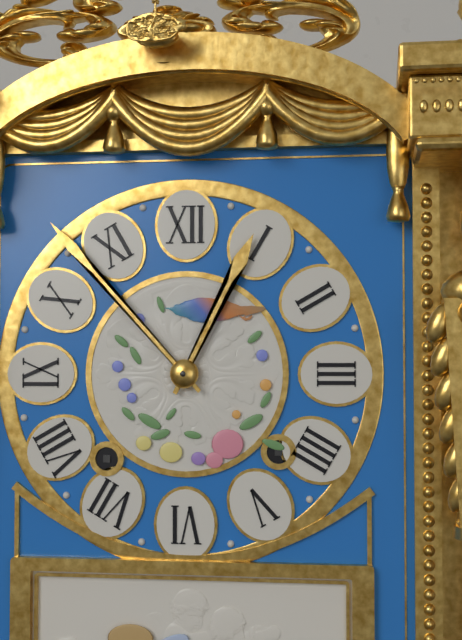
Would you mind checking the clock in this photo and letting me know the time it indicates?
12:53
